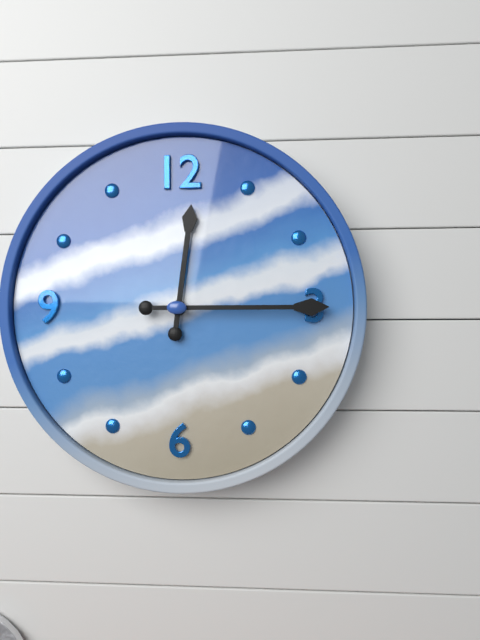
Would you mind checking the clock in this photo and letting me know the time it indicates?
12:15
